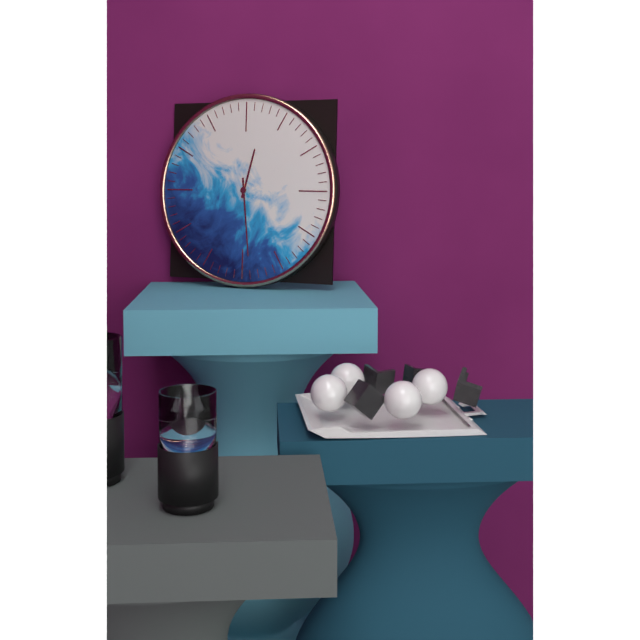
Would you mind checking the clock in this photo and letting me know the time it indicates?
12:29
